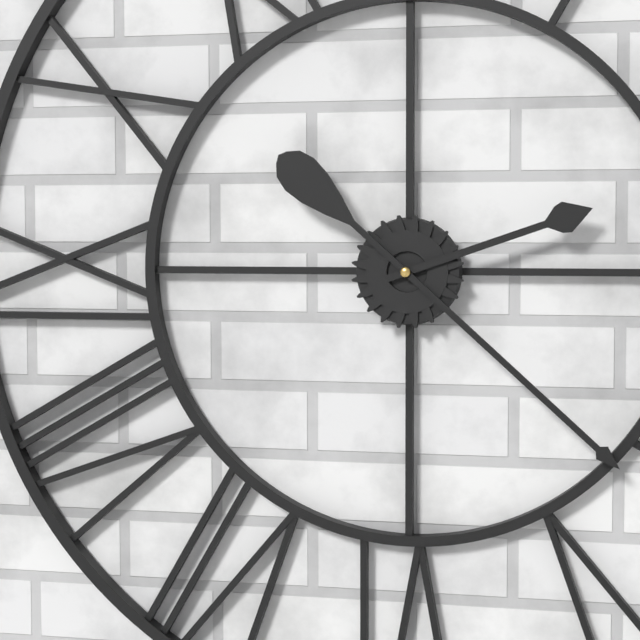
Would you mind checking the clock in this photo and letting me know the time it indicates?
2:22
